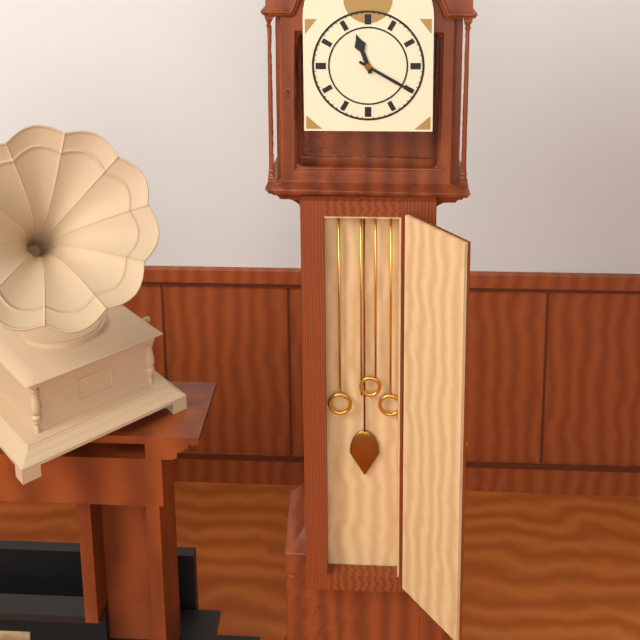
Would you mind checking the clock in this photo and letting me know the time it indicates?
11:20
